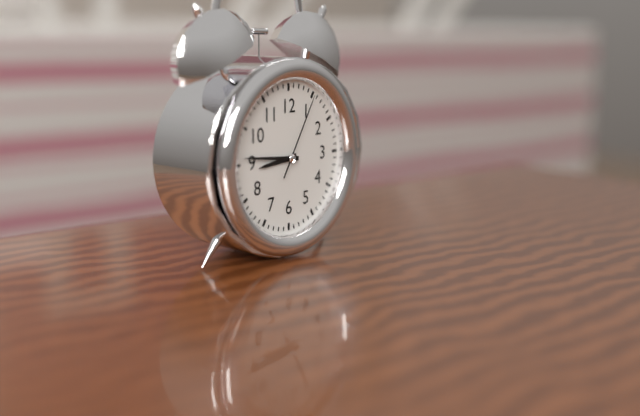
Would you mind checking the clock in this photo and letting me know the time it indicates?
8:46:05
